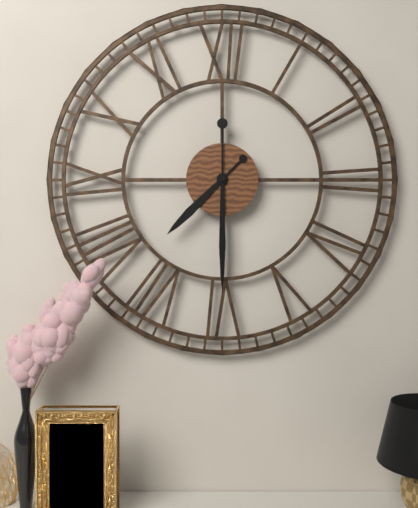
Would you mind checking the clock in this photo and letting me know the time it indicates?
7:30
